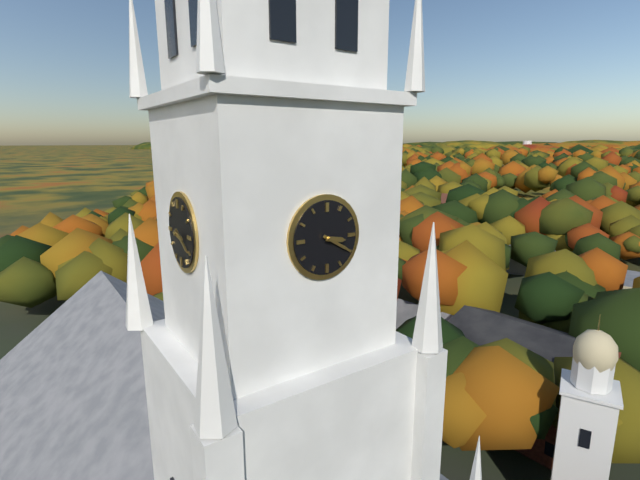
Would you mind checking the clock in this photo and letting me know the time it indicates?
3:20
